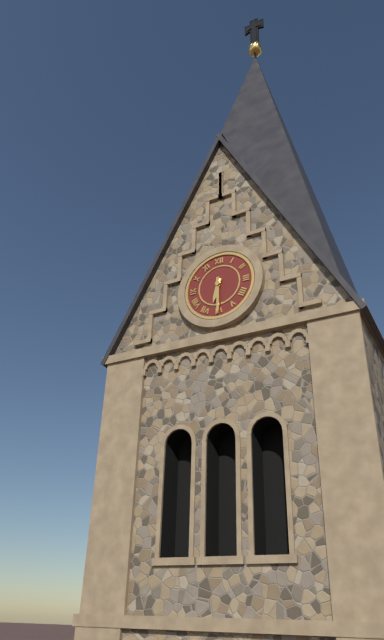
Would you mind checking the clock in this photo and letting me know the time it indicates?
6:30
